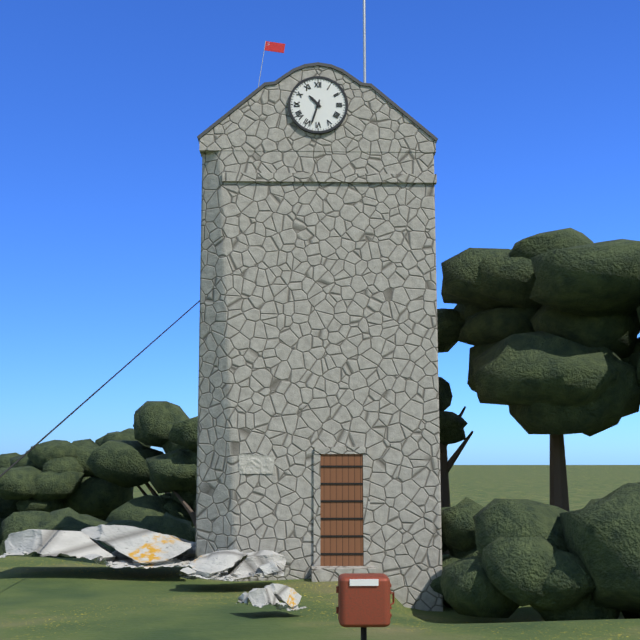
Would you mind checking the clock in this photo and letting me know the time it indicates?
10:33
